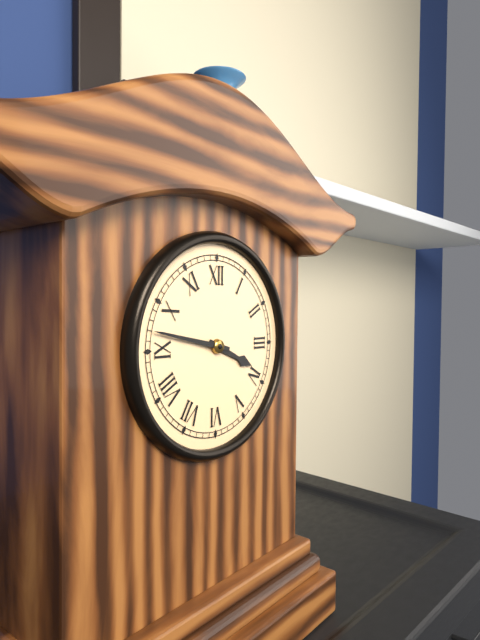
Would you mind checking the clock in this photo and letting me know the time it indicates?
3:47
